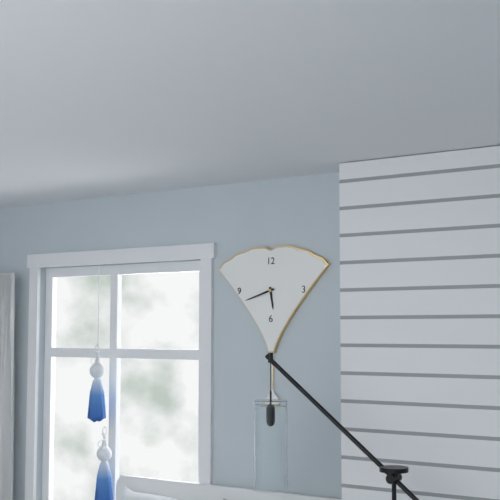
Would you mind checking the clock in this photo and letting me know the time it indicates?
5:42
